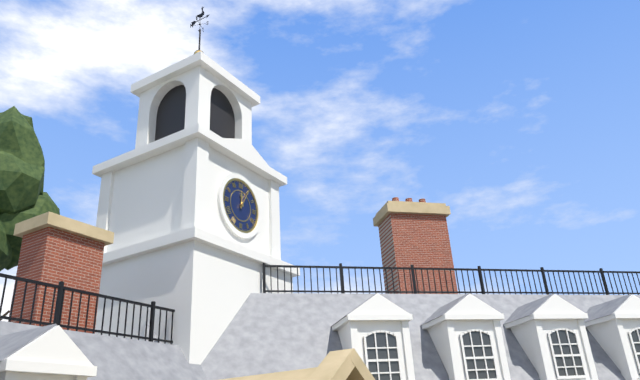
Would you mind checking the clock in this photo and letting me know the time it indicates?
12:05
